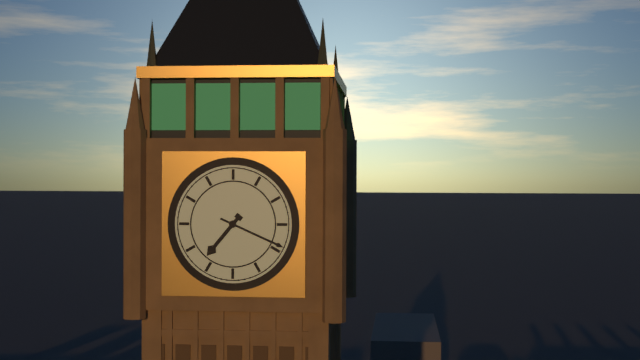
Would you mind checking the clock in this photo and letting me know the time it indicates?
7:19
